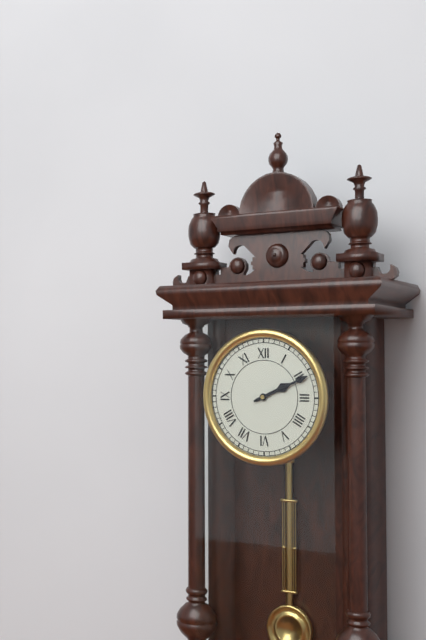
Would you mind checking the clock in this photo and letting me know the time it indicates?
2:11
